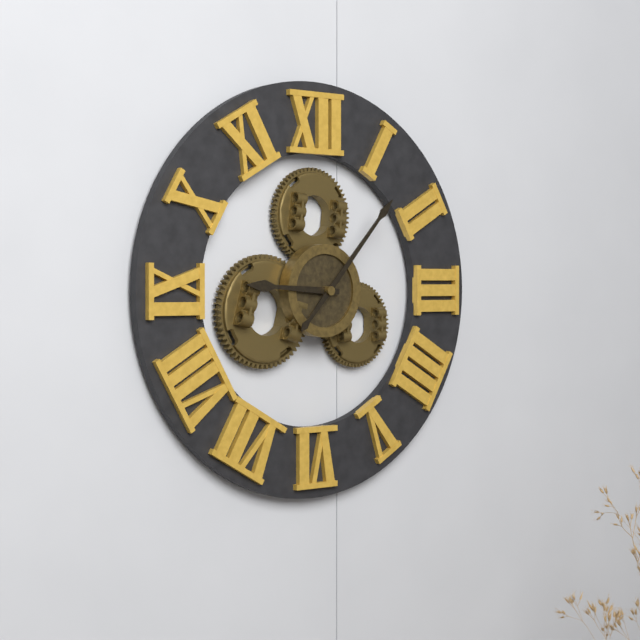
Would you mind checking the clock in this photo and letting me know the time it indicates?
9:07
